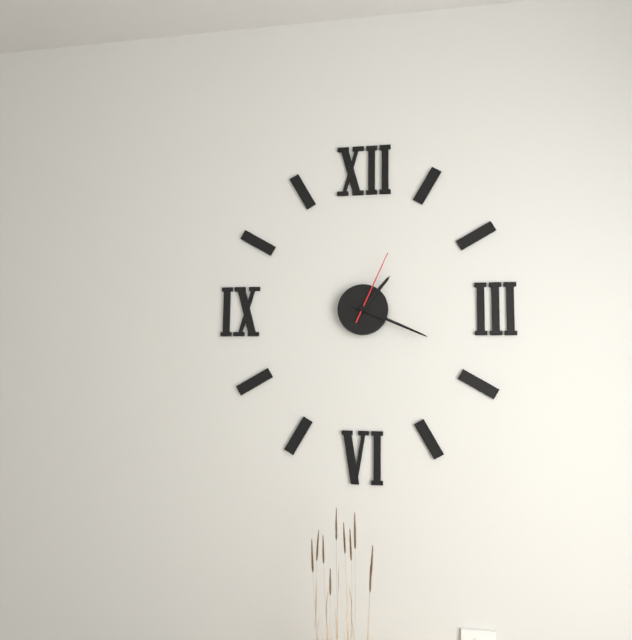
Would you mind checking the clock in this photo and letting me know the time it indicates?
1:19:04
